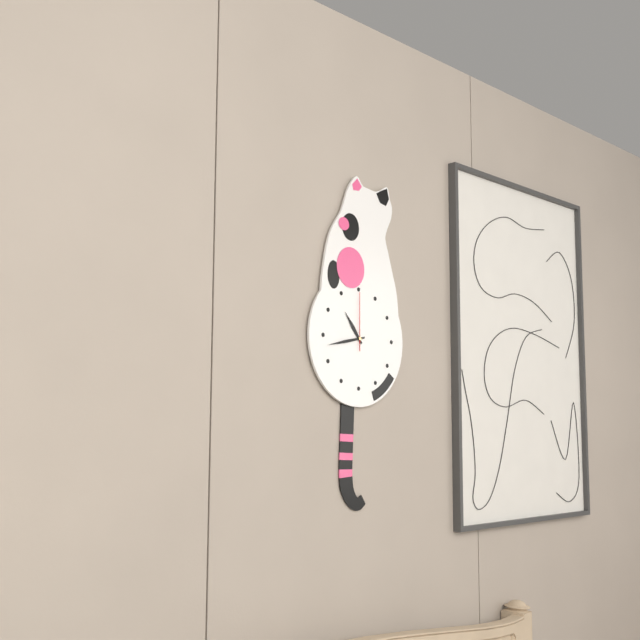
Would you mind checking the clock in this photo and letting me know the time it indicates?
10:43:00
